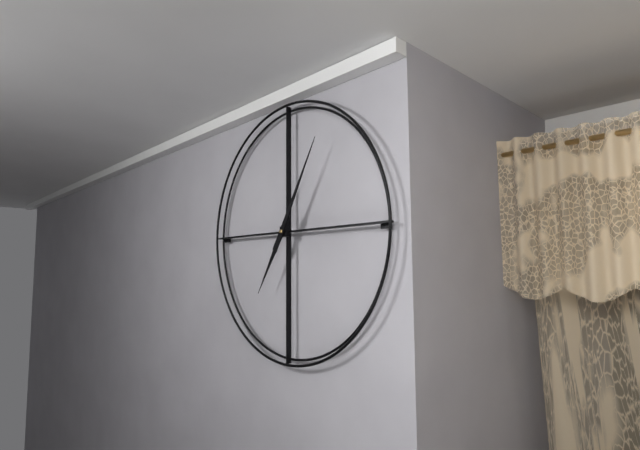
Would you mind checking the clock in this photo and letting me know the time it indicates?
7:05
